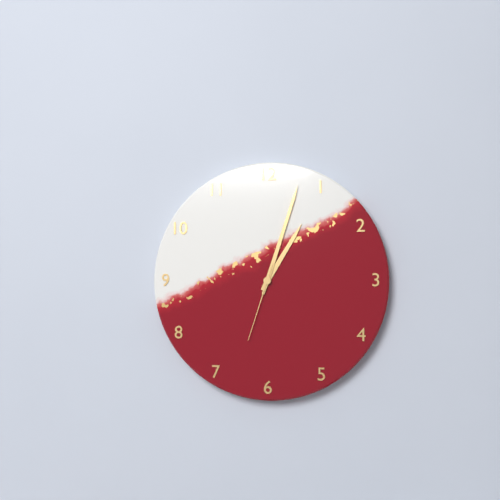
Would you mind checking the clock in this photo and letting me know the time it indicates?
1:03:33
